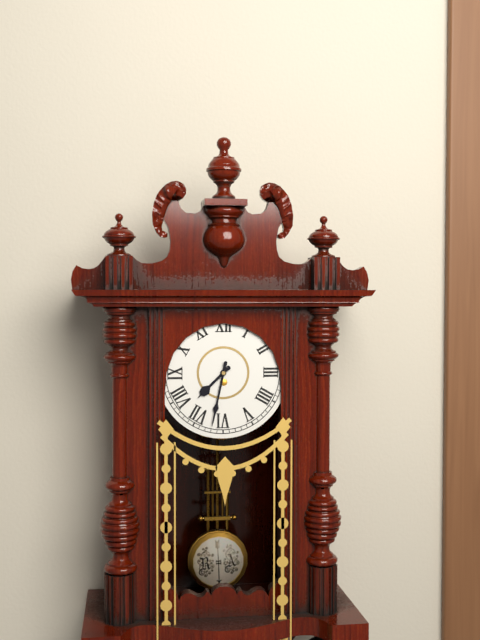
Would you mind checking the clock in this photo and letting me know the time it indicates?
7:32
